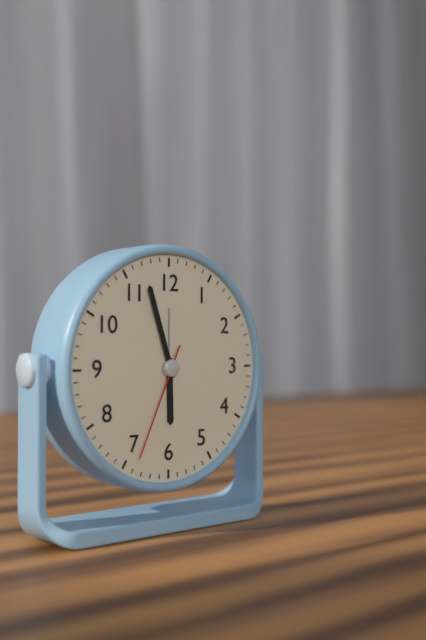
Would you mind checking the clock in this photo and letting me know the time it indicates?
5:57:34
